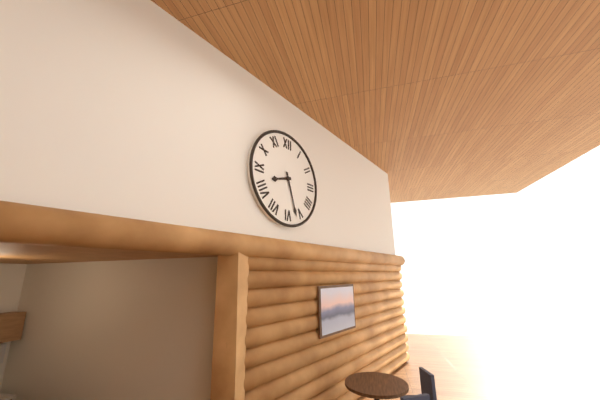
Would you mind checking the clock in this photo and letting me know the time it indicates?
8:27
